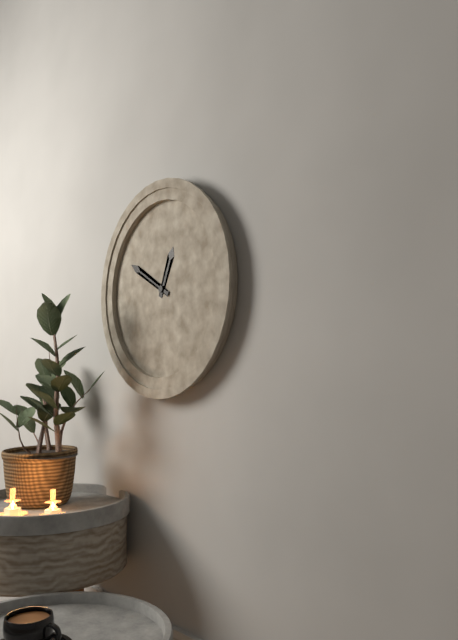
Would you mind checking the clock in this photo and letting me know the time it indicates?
12:50
